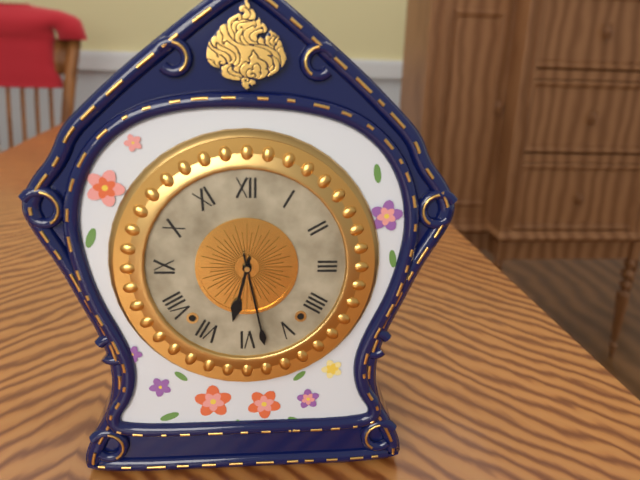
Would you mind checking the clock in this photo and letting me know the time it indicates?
6:28
